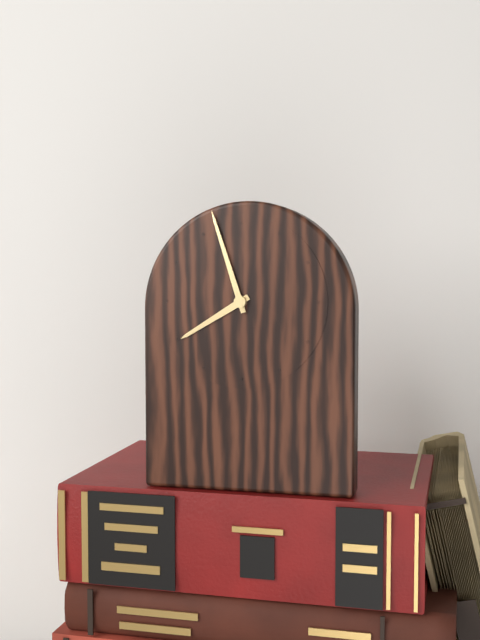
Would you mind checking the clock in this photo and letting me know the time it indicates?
7:57
